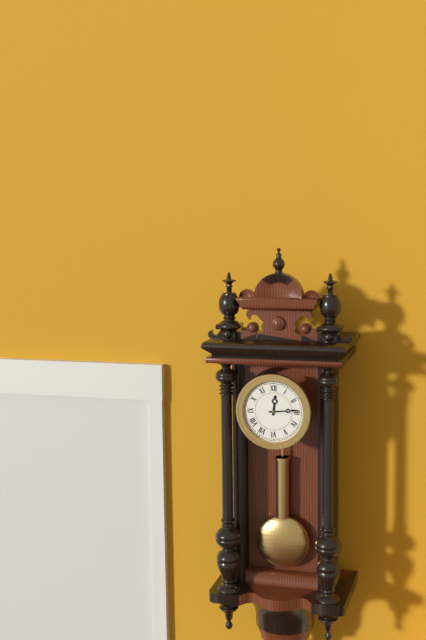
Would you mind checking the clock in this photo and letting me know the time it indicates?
12:14
